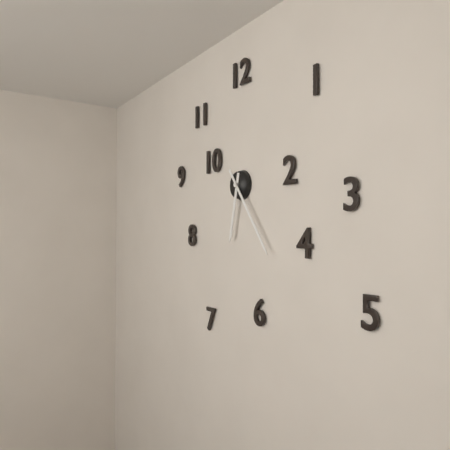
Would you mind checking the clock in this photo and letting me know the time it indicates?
6:24
